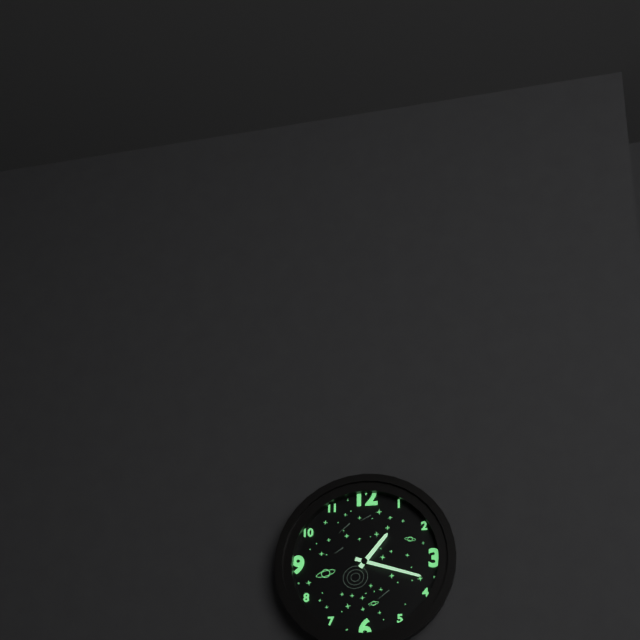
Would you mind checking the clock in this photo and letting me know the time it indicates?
1:18
